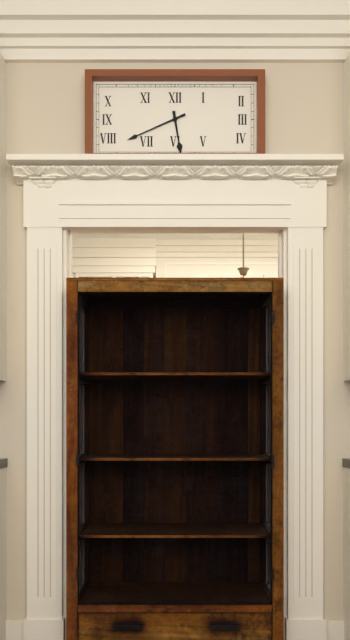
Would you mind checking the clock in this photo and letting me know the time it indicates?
5:41
